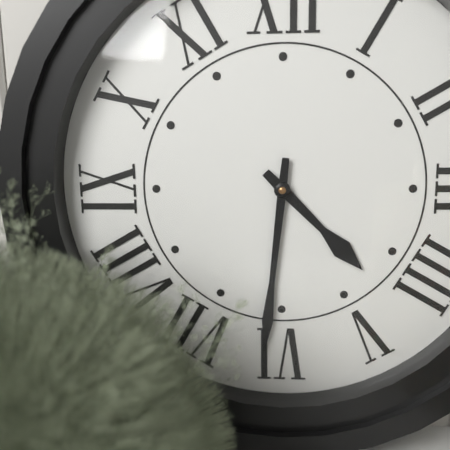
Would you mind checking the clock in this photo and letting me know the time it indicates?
4:31
